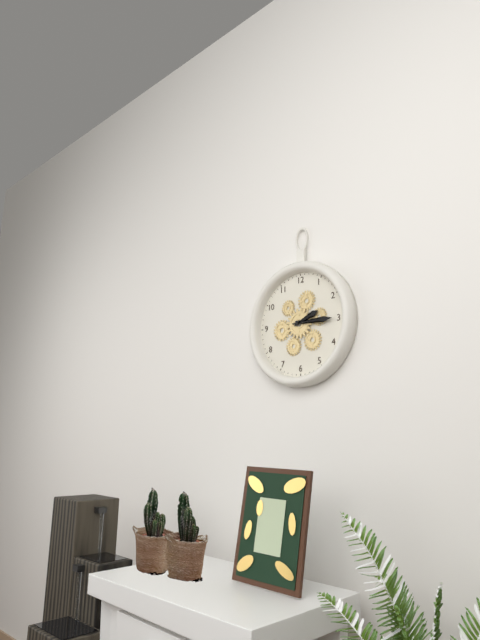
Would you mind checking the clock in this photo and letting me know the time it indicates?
2:15
